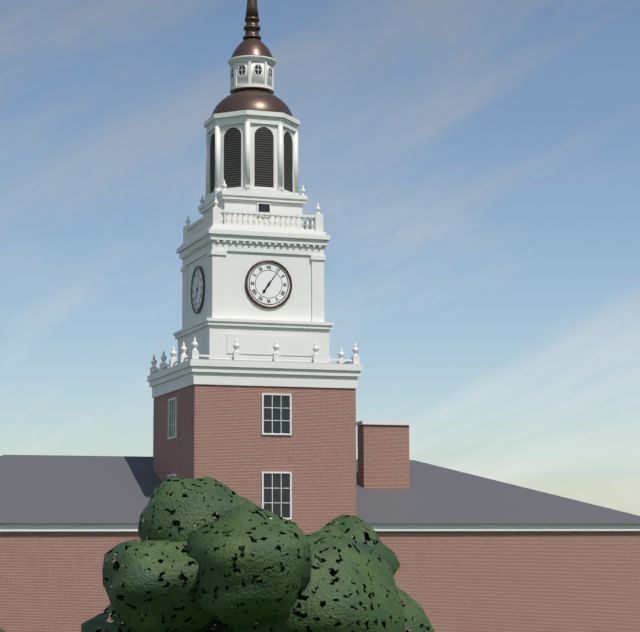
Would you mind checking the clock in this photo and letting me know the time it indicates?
7:06
